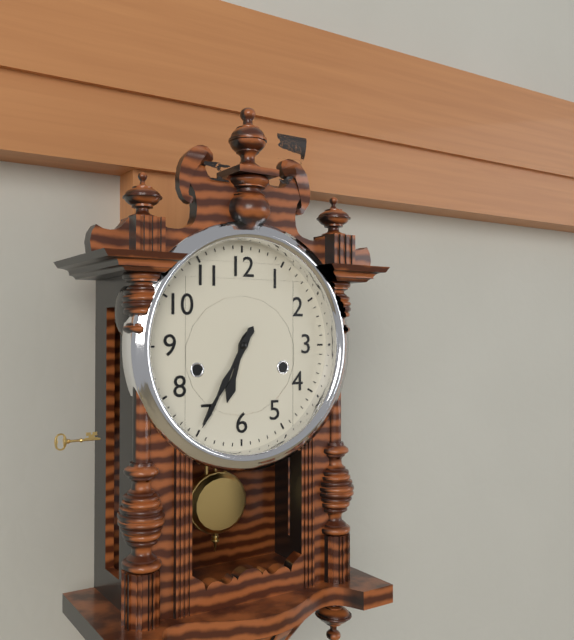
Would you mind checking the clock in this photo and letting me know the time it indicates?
6:35
